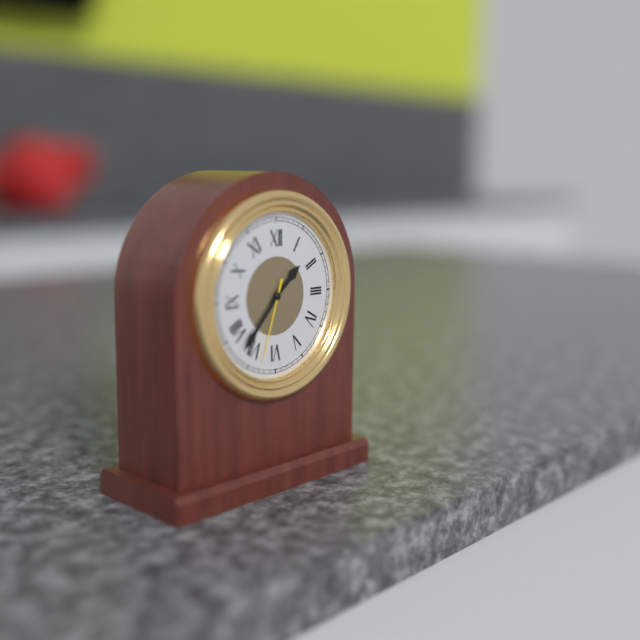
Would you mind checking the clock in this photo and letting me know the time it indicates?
1:37:33
